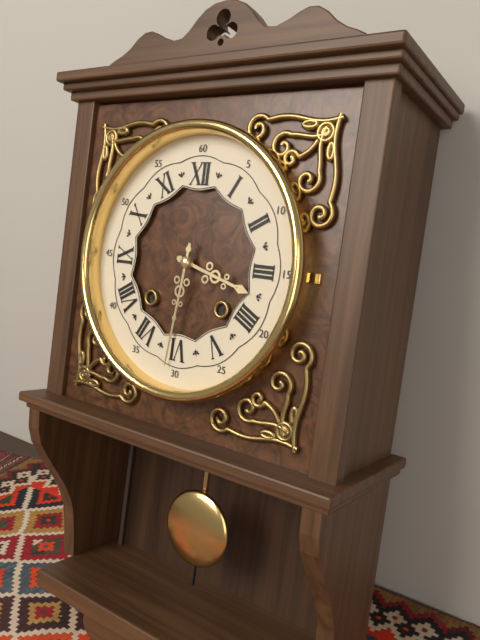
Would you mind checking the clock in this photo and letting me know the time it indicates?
3:31
